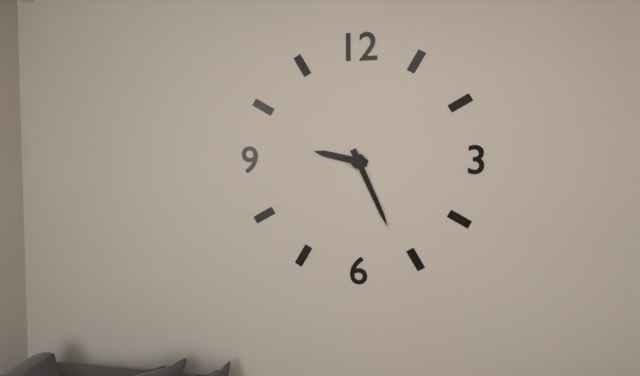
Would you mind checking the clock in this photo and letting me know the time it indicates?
9:26
